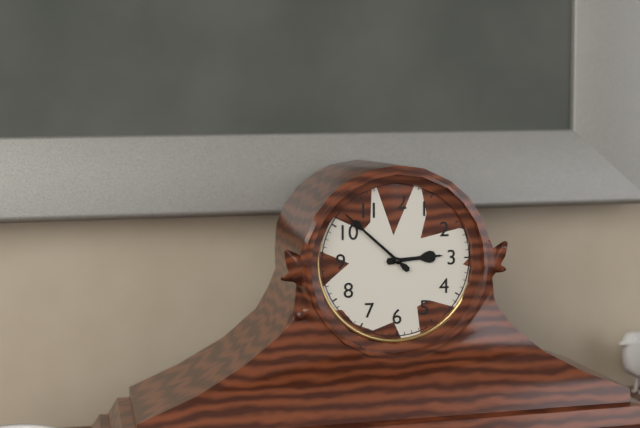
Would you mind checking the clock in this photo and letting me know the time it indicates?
2:52
